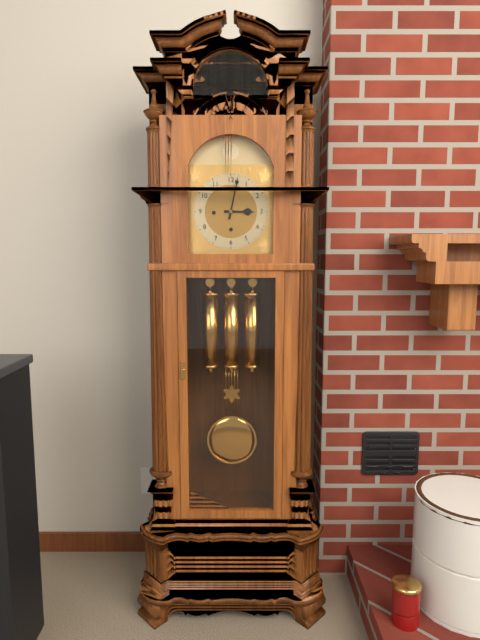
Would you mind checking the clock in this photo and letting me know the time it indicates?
3:02
